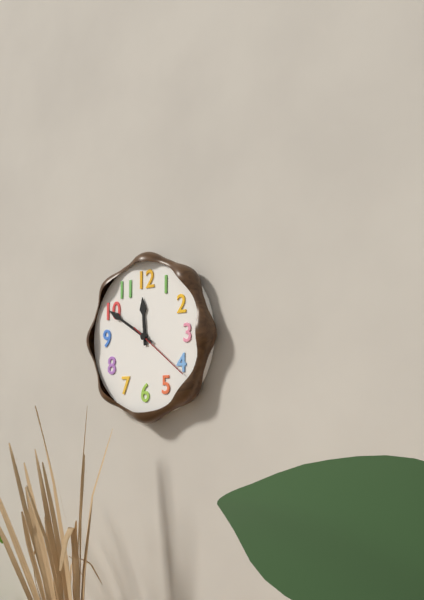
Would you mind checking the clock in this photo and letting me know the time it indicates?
11:50:21
